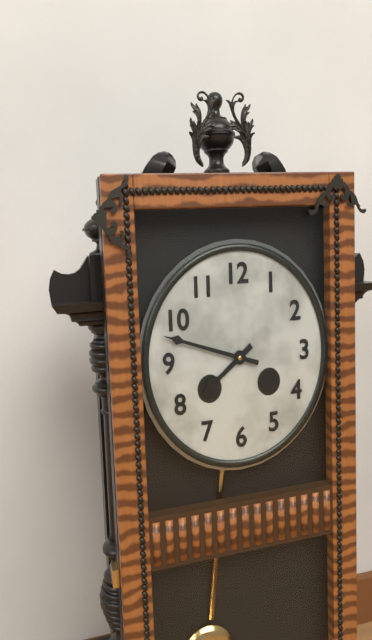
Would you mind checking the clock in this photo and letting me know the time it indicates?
7:48
